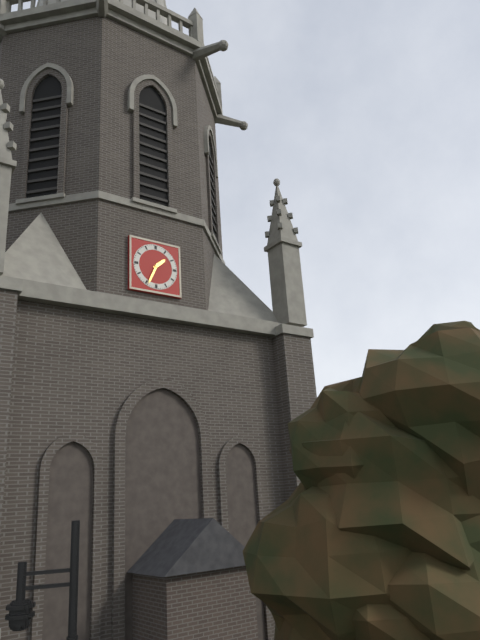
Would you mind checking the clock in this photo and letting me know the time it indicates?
1:34
